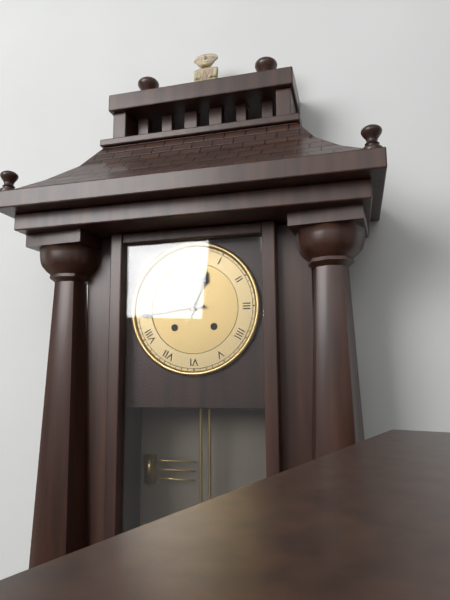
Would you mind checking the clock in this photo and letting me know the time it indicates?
12:44
